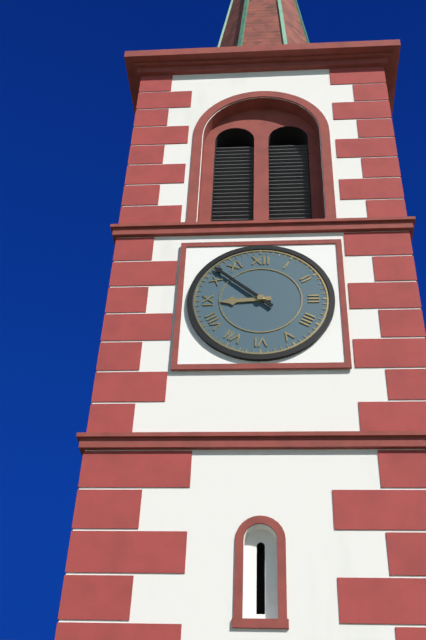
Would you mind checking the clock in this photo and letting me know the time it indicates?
8:52
